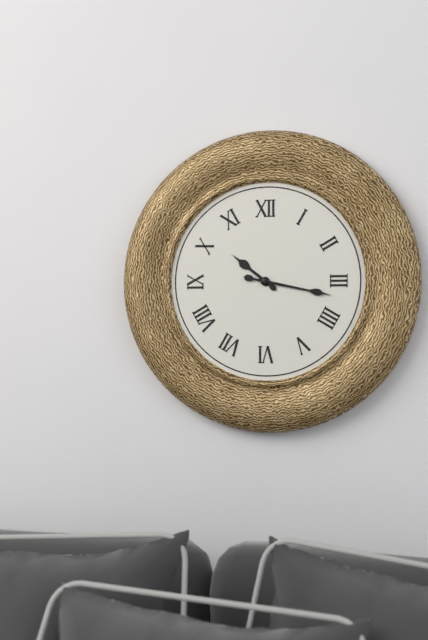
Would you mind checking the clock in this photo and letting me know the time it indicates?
10:17
